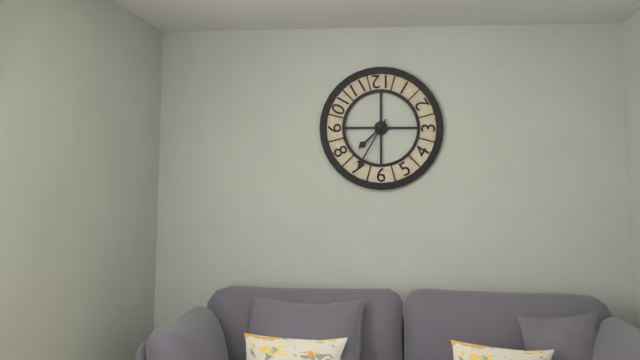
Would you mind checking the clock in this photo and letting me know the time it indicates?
7:35
